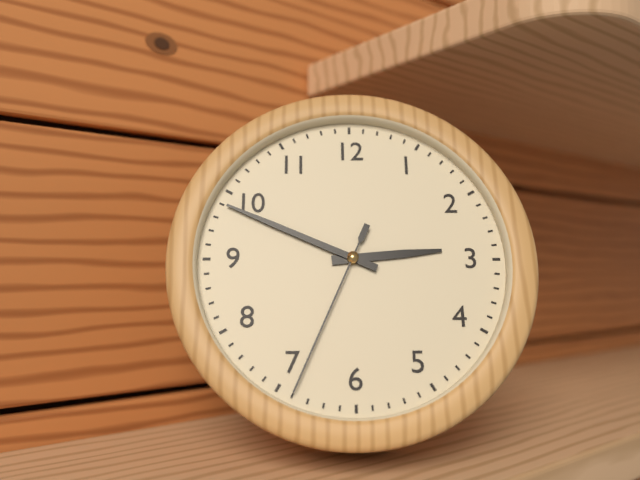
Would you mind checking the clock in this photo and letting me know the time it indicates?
2:49:34
